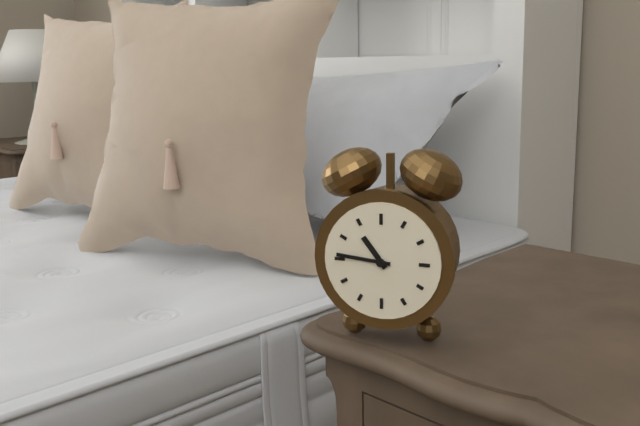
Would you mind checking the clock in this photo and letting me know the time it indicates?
10:46
